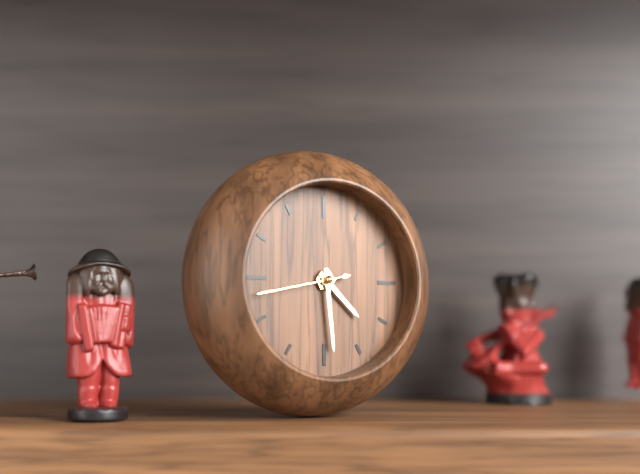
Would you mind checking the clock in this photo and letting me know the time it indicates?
4:29:43
